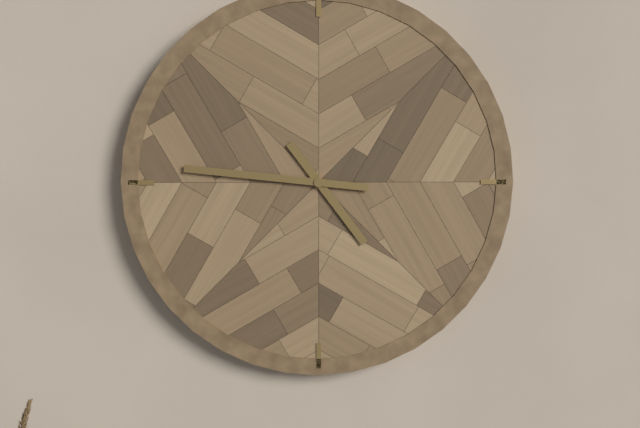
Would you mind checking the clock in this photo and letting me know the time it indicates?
4:46
